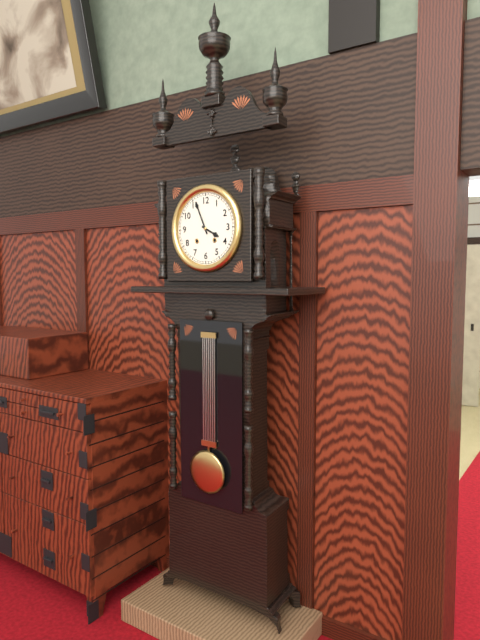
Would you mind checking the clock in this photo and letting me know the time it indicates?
3:56
